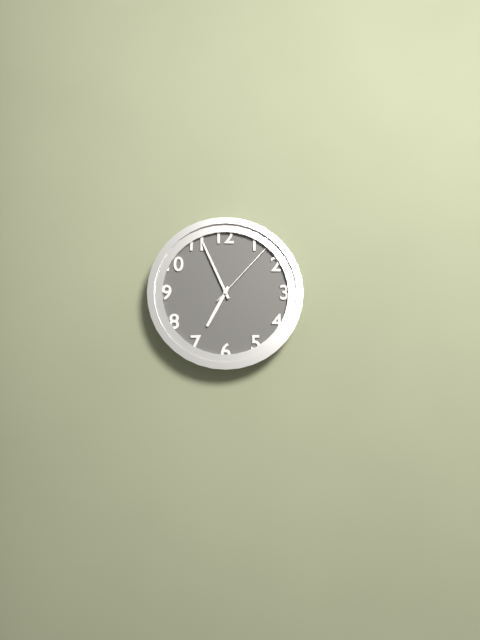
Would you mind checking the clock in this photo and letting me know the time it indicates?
6:56:07
